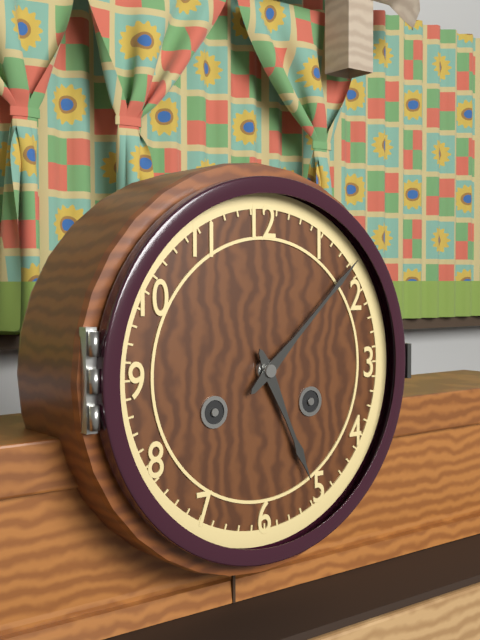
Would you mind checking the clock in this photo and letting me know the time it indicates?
5:08
